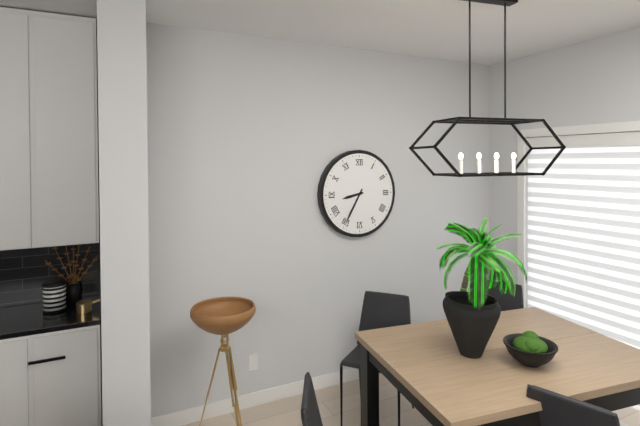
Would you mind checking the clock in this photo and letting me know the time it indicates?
8:35
